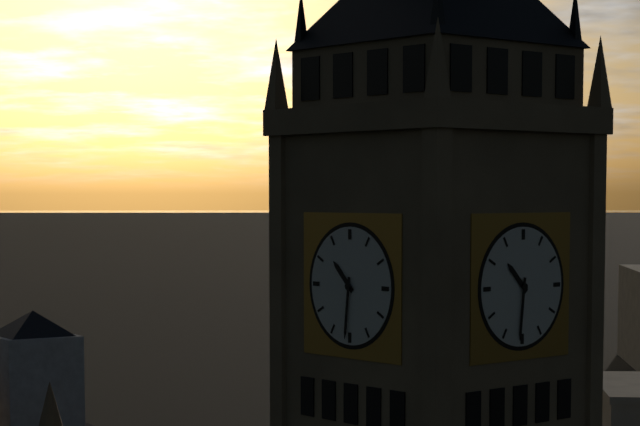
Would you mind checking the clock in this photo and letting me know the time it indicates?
10:31
